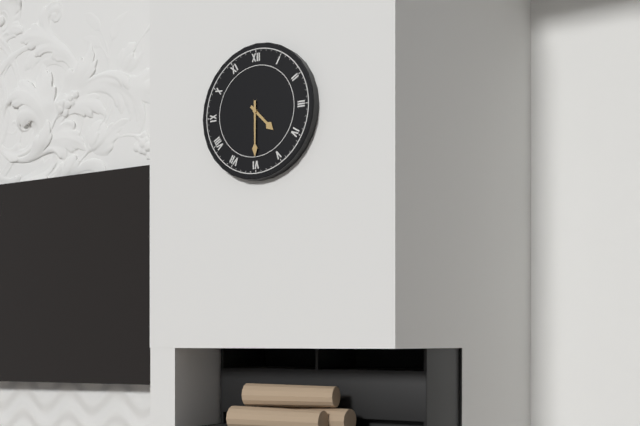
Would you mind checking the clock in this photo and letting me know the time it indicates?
4:30
